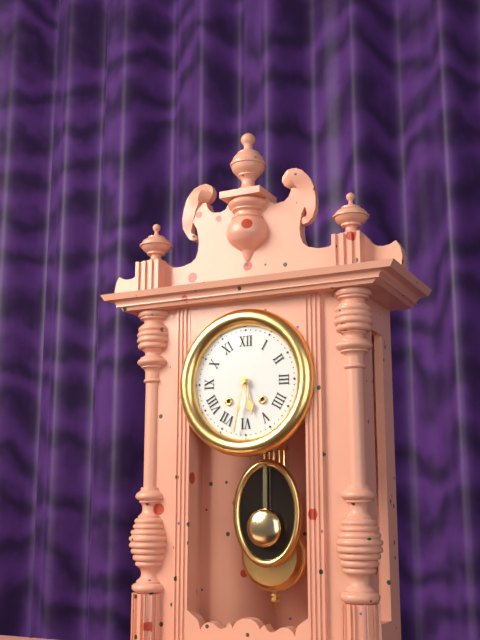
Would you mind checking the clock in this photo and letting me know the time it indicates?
5:32
